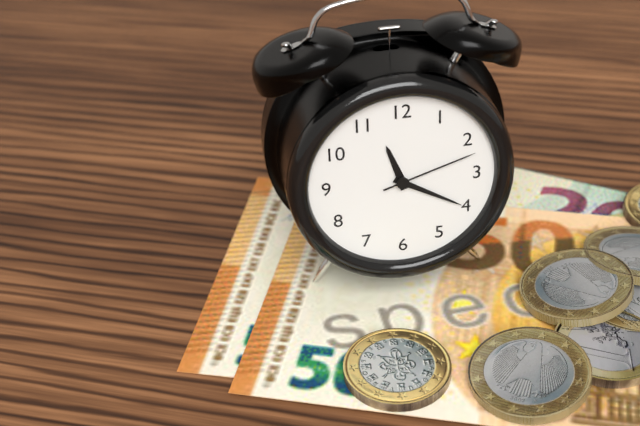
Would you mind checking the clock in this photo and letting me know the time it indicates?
11:20:12
